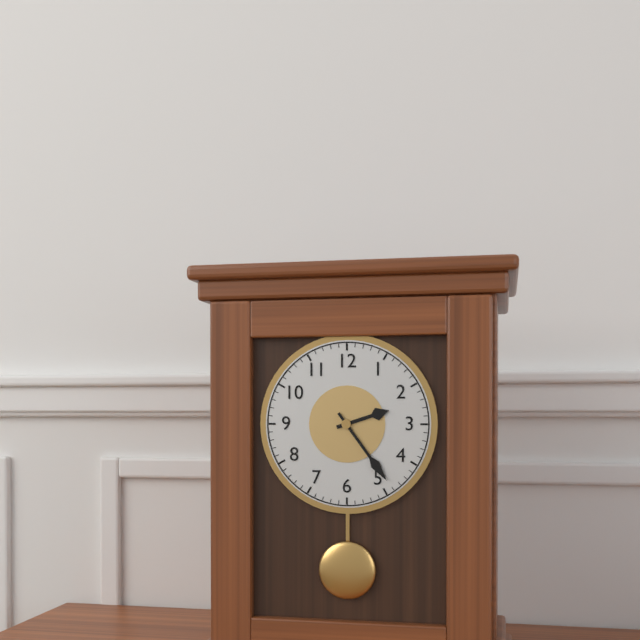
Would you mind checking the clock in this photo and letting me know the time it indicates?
2:24
